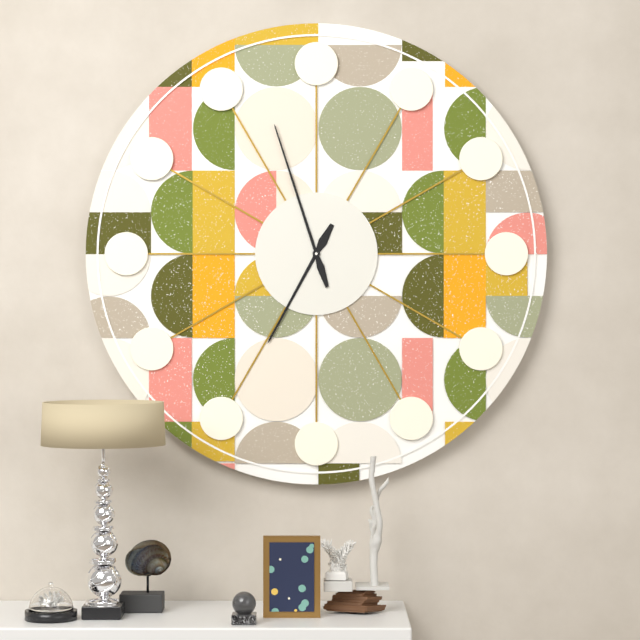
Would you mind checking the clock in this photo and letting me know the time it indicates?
6:57
